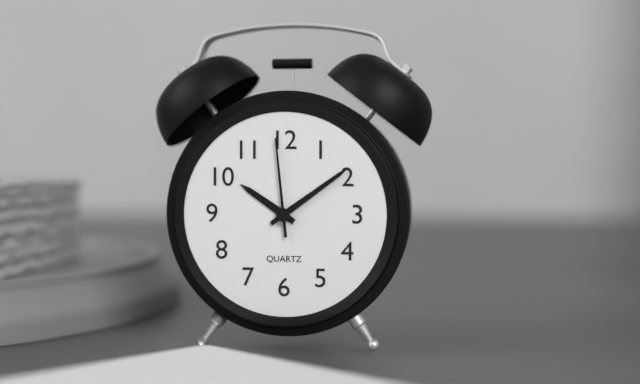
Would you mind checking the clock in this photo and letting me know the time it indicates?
10:09:59
